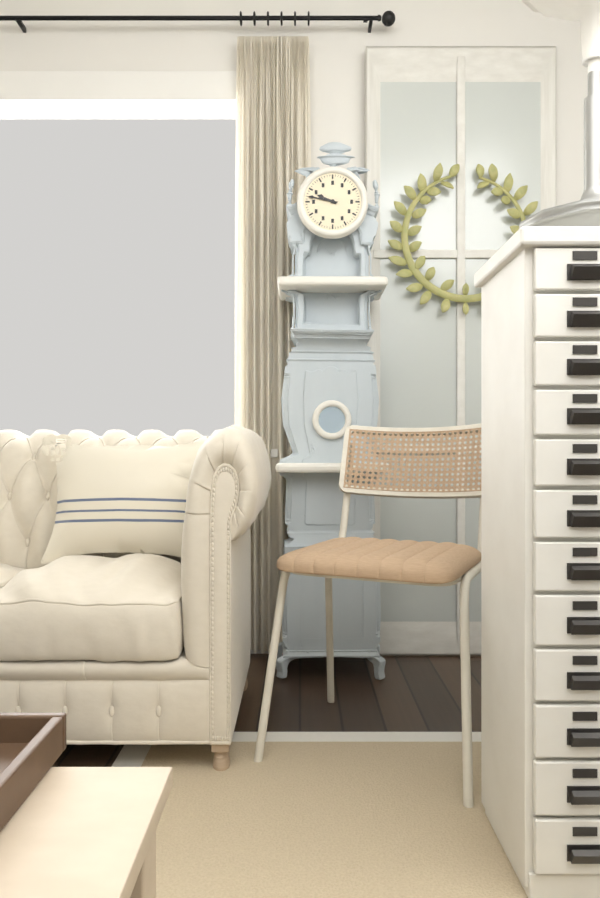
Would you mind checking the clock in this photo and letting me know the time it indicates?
9:47
